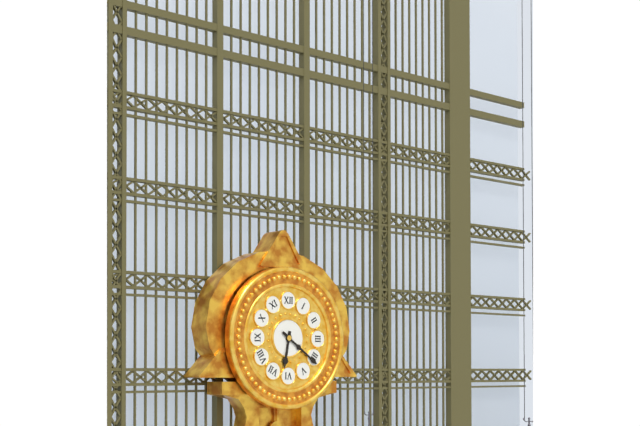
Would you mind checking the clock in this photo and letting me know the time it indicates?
6:21
